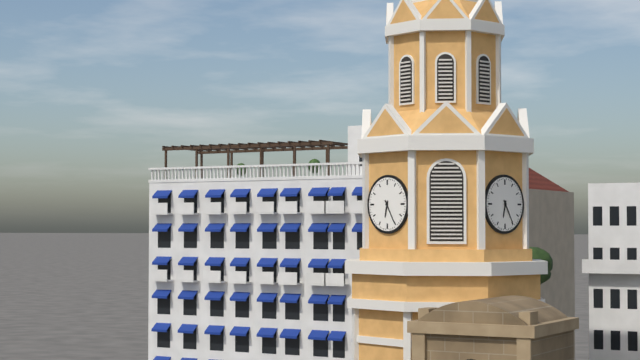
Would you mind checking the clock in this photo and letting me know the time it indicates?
6:25
